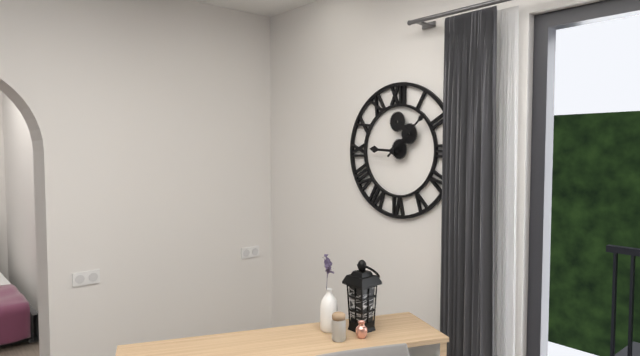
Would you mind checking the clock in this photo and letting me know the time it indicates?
9:08
